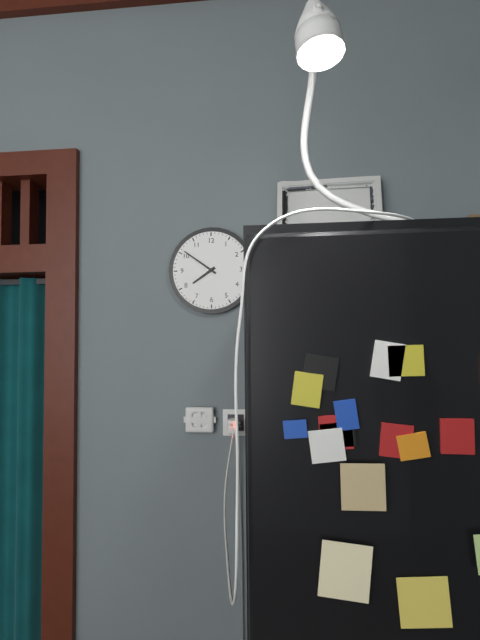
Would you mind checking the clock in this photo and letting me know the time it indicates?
7:51
